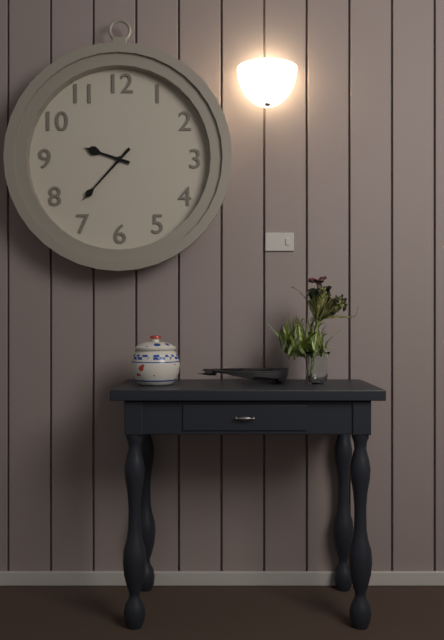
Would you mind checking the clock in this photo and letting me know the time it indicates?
9:37
